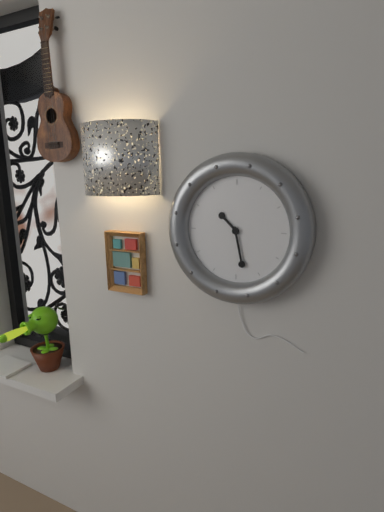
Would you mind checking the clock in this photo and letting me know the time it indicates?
10:28
